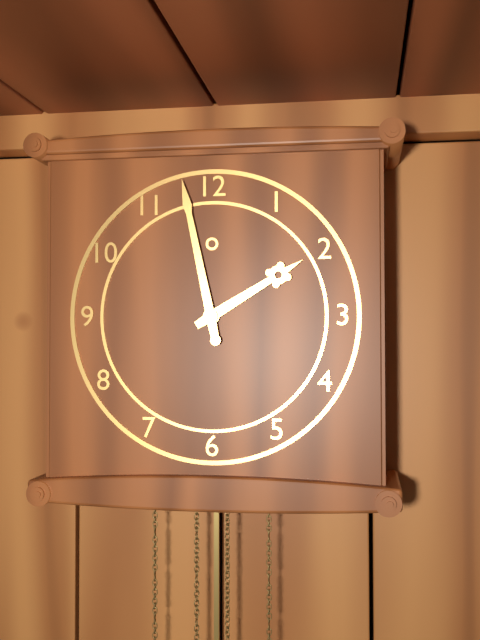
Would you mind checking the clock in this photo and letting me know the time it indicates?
1:58
